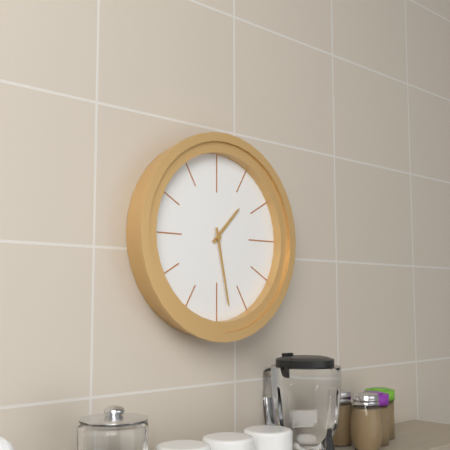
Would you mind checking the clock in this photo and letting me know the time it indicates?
1:28
